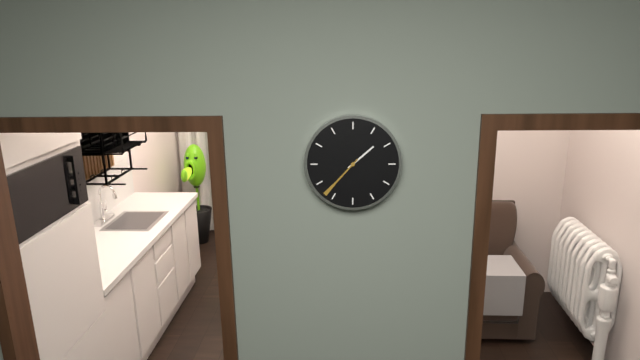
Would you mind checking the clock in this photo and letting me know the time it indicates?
1:37
